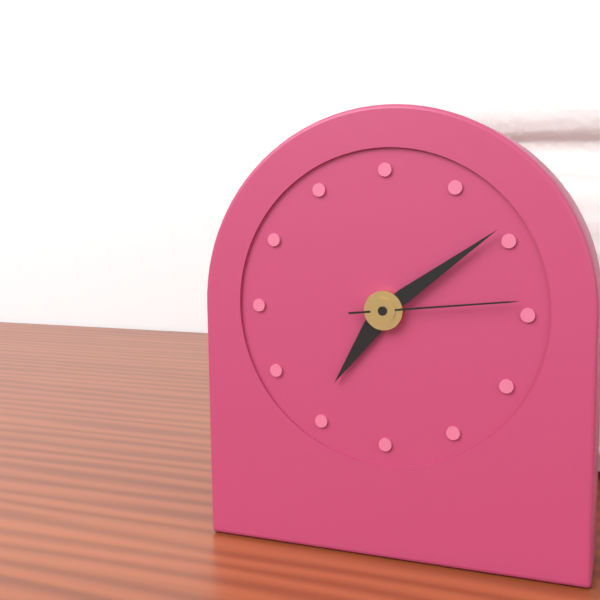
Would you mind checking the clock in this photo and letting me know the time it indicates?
7:09:14
